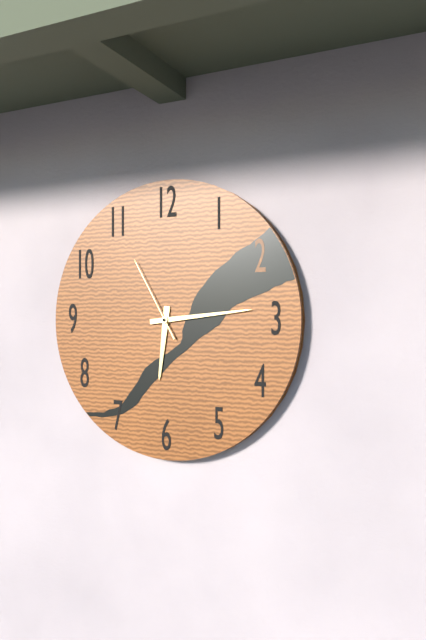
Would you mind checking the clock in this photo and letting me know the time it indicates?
6:14:55
